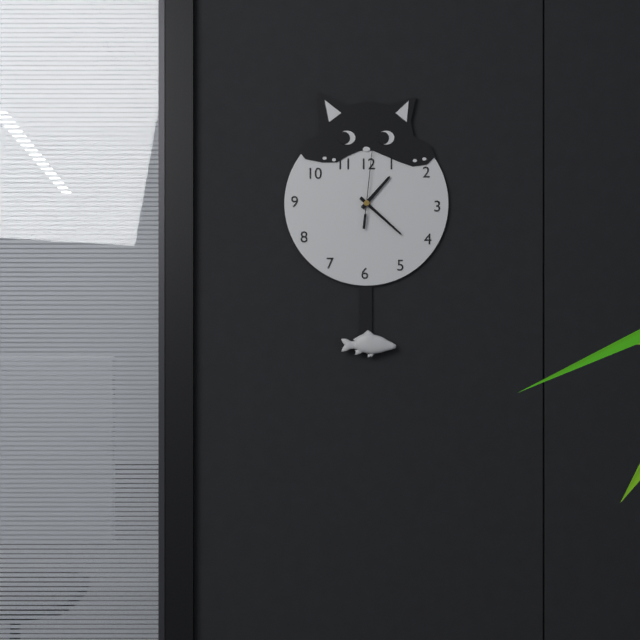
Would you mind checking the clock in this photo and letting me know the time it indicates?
1:22:01
